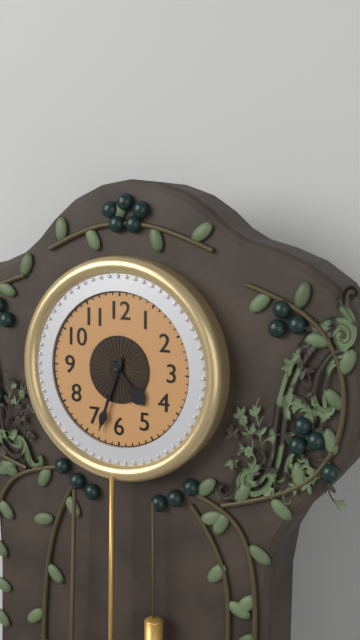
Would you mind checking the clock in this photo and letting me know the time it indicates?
4:33
